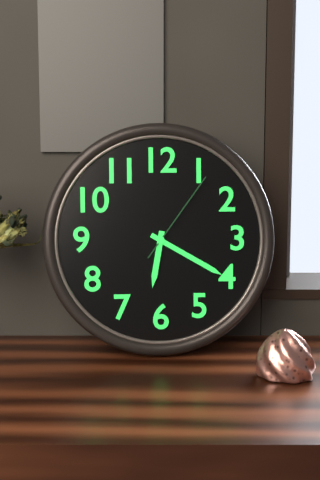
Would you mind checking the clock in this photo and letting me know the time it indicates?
6:20:06
